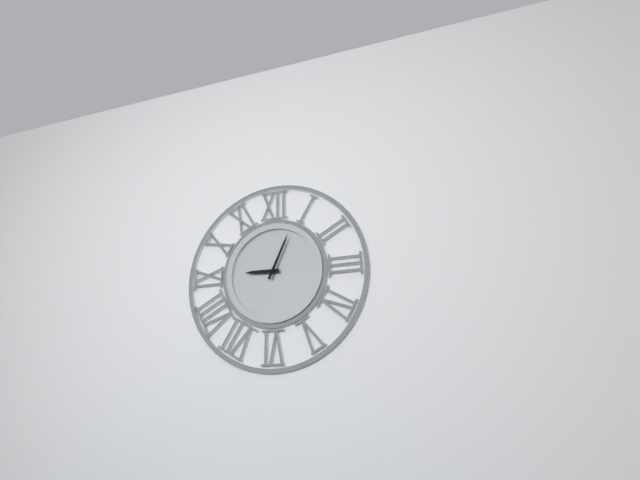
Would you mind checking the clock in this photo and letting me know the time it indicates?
9:04
